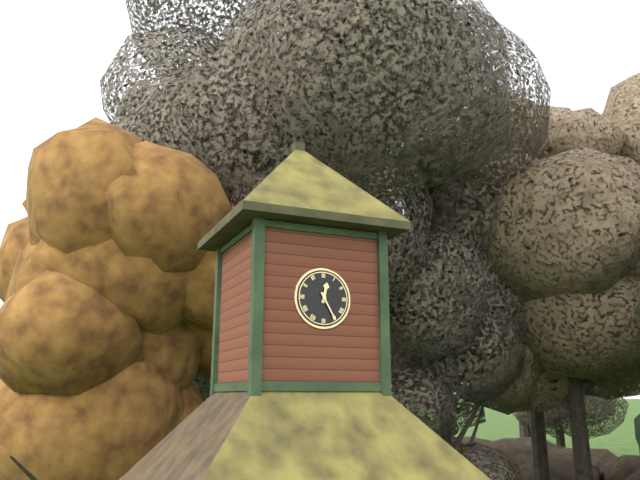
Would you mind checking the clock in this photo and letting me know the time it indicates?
12:25
